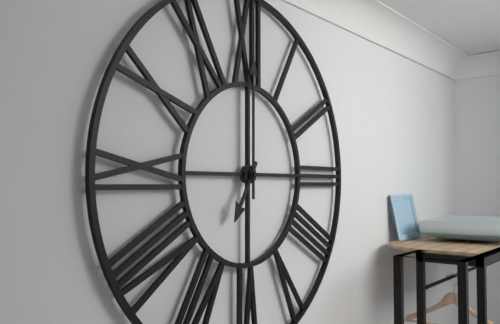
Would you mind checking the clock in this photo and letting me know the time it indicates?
7:00
